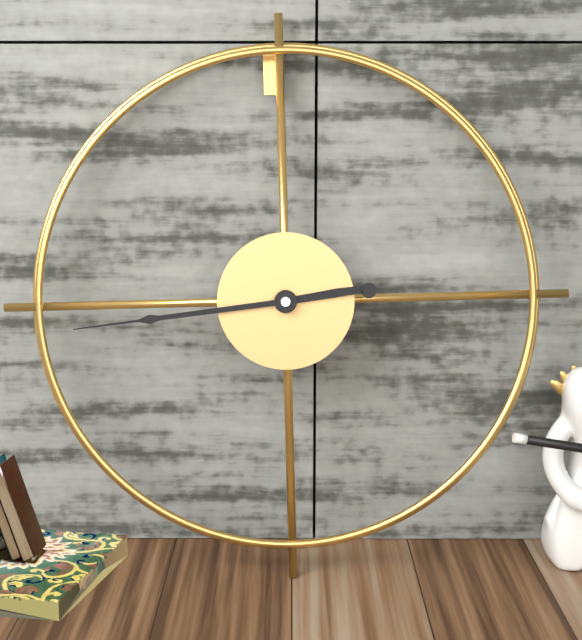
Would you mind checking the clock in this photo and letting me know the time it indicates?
2:44
